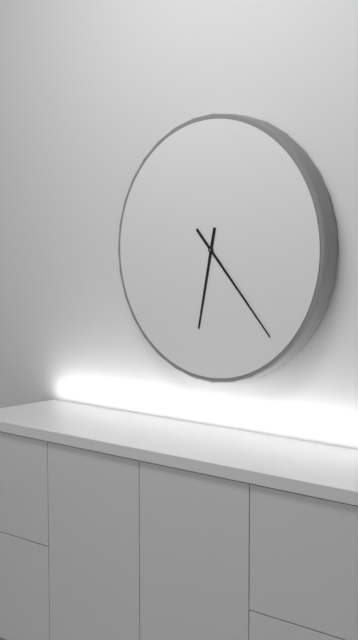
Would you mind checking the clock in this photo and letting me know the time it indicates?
6:23
